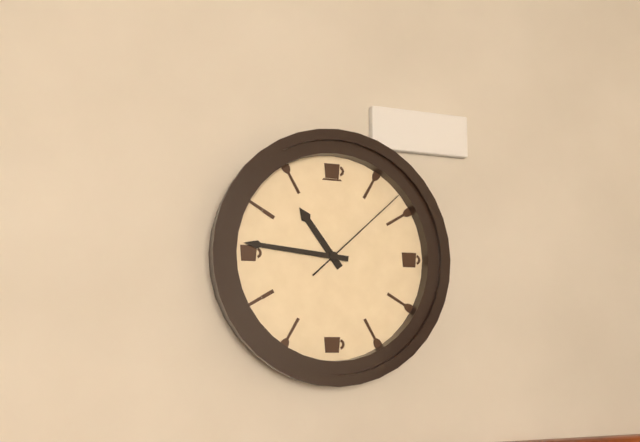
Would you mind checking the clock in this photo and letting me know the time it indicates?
10:46:08
